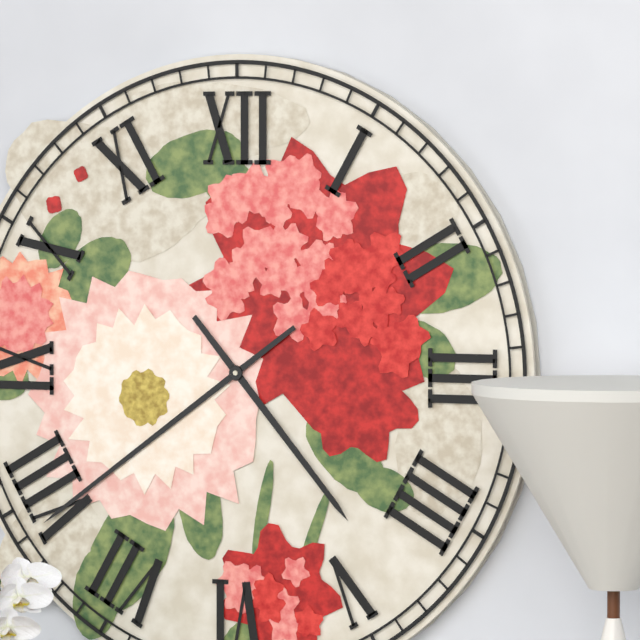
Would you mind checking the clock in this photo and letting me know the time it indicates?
4:39
